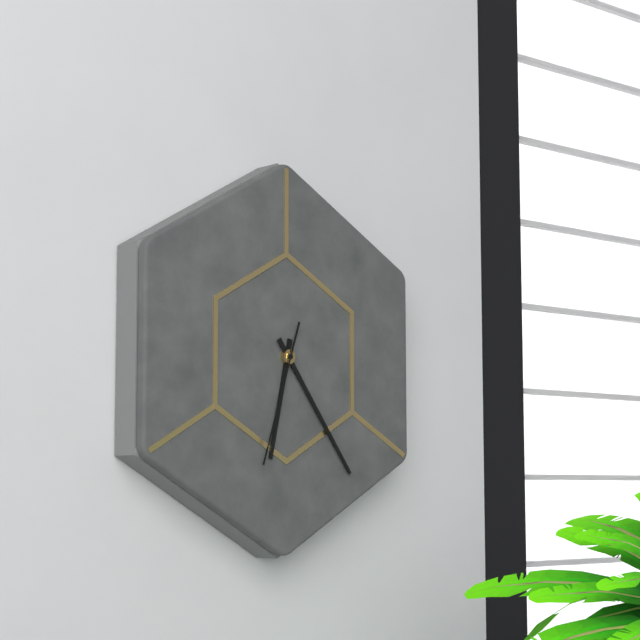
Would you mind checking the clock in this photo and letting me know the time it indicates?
6:24:33
